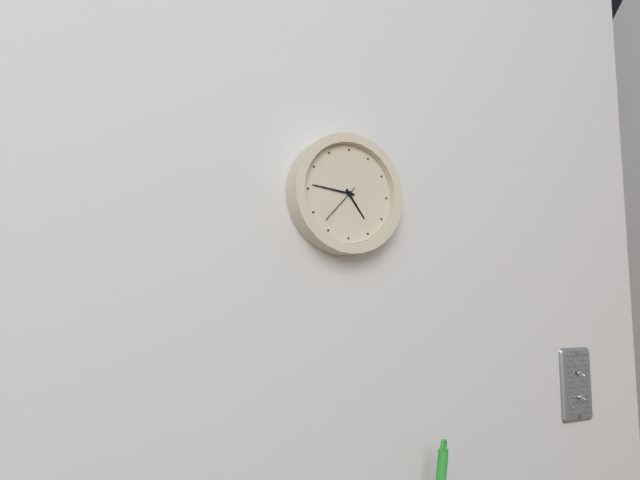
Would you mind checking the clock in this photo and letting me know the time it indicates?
4:46
